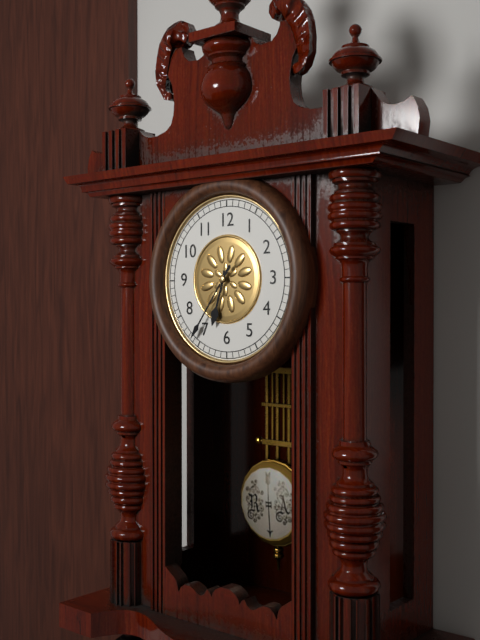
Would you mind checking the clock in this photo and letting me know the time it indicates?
6:36
